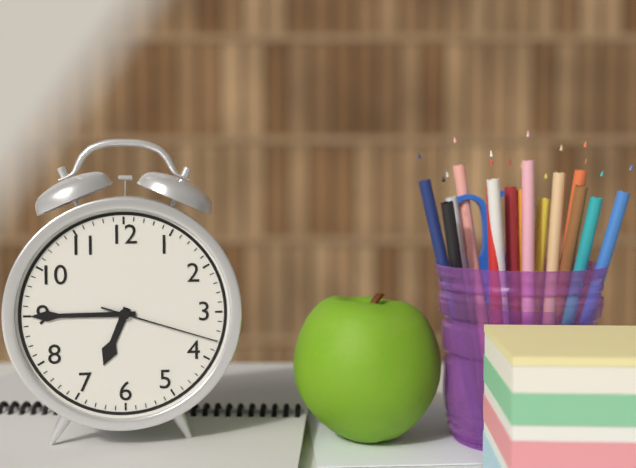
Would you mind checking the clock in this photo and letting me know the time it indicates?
6:45:18
